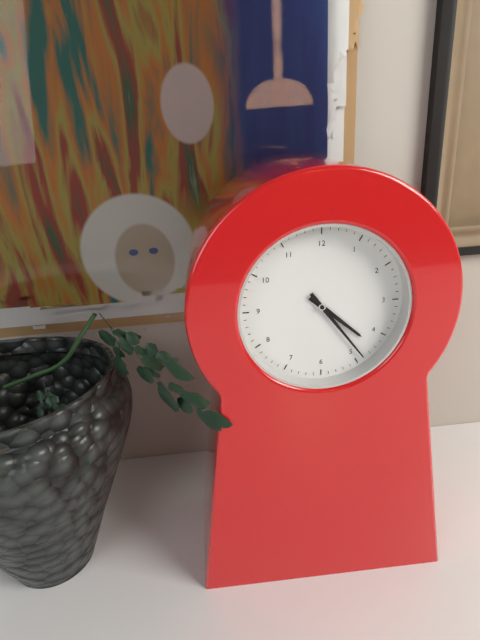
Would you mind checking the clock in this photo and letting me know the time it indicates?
4:24
